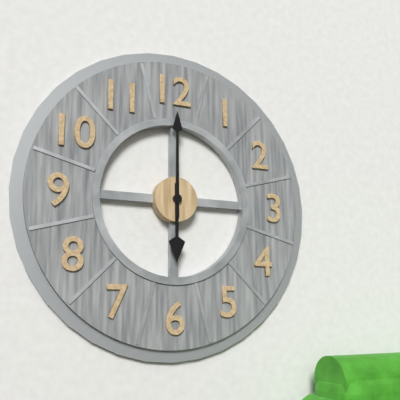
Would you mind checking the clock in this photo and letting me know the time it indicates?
6:00
